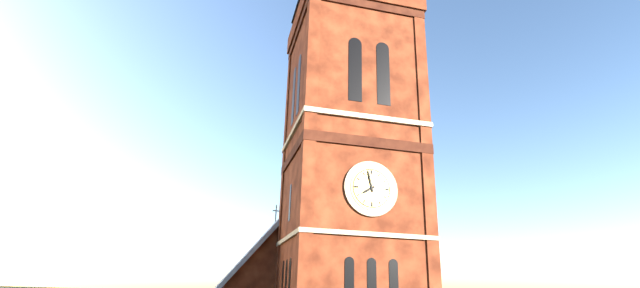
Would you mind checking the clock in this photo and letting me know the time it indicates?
7:58
